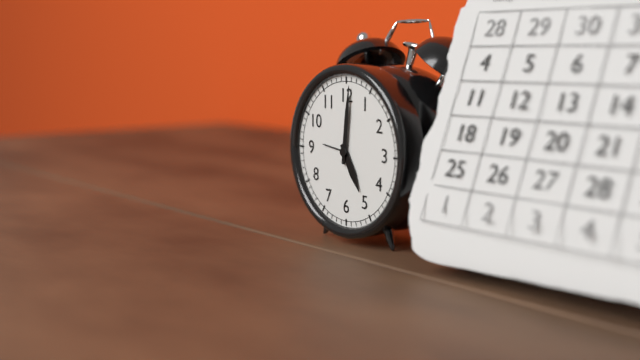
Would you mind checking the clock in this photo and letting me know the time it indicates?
5:01
